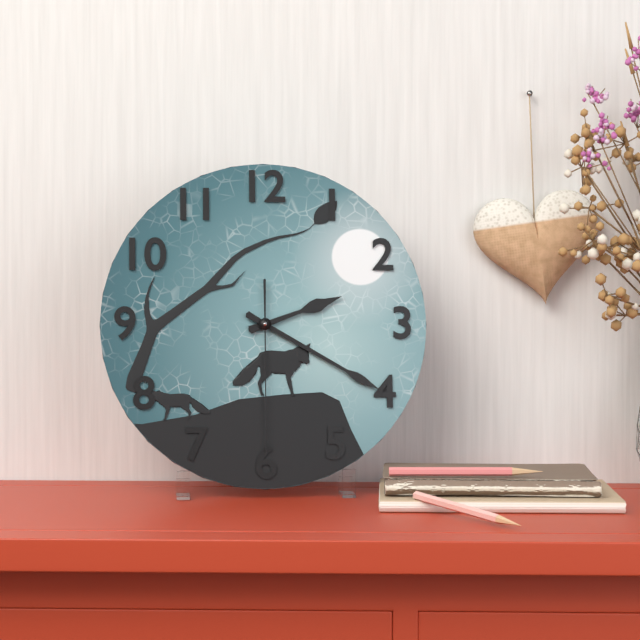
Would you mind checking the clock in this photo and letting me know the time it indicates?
2:20:30
